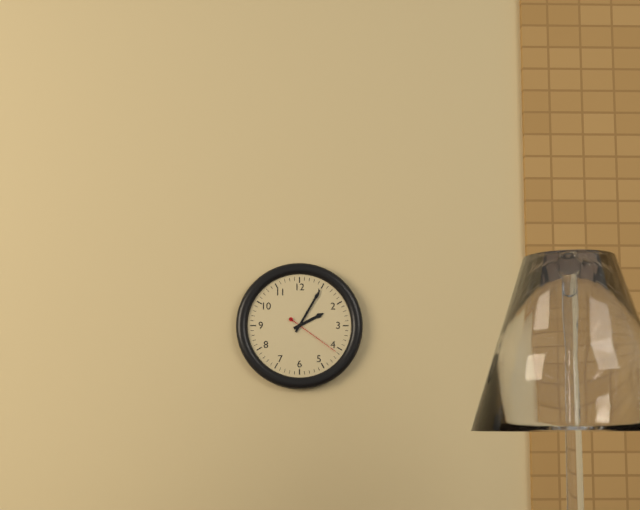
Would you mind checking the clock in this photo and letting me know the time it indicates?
2:05:21
